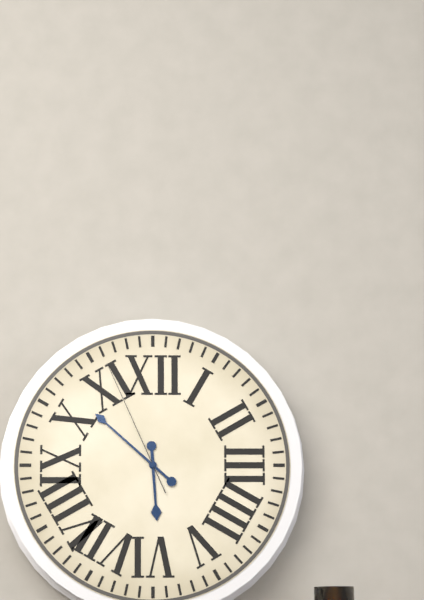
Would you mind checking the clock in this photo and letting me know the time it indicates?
5:52:56
